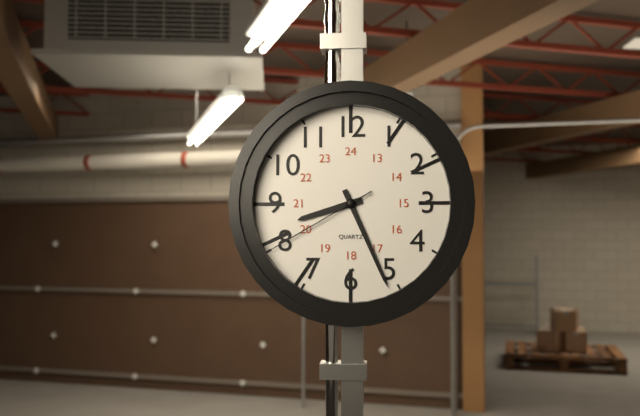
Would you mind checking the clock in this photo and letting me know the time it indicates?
8:26:40
